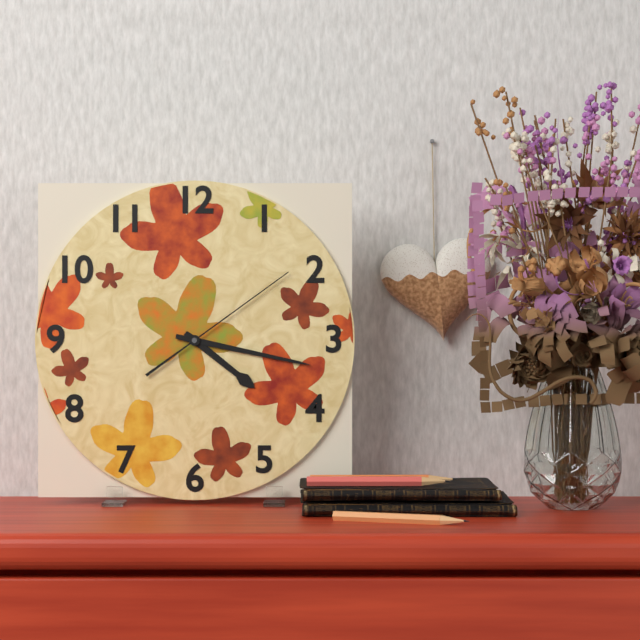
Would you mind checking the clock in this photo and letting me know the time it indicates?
4:17:09
